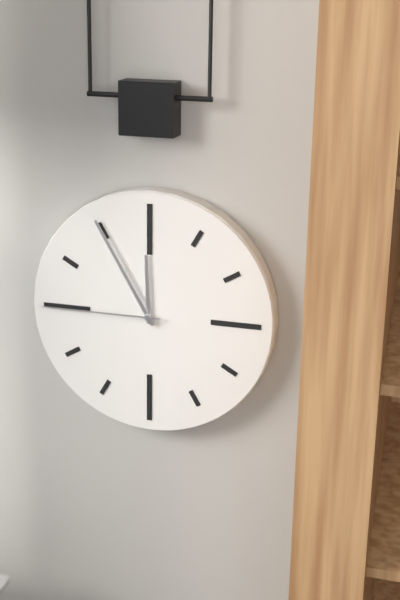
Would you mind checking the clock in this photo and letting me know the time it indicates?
11:55:45
